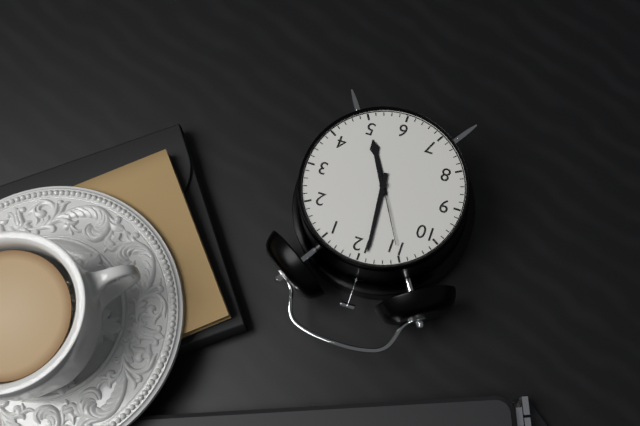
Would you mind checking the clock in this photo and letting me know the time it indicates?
4:59:55
